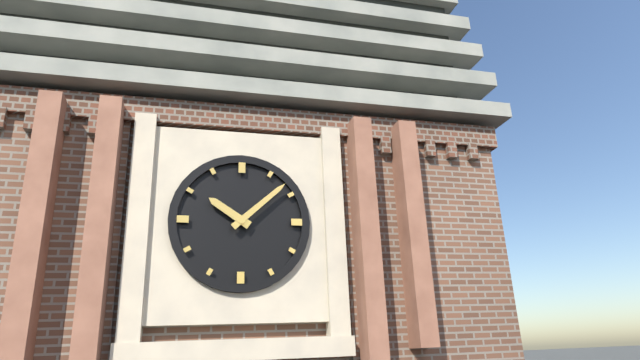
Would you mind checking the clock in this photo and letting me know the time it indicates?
10:08
